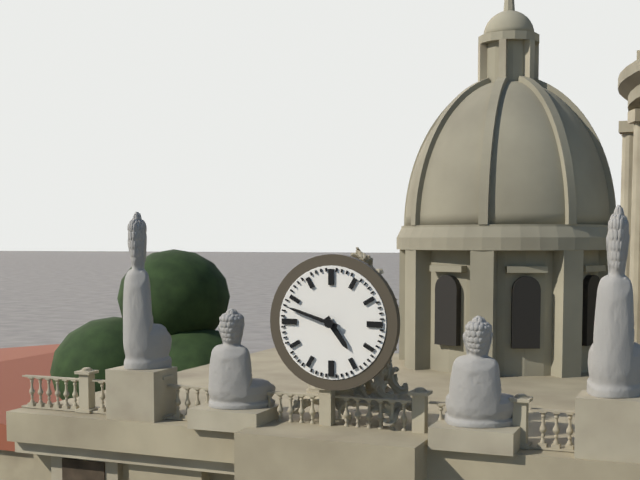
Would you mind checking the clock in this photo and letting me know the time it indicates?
4:48
